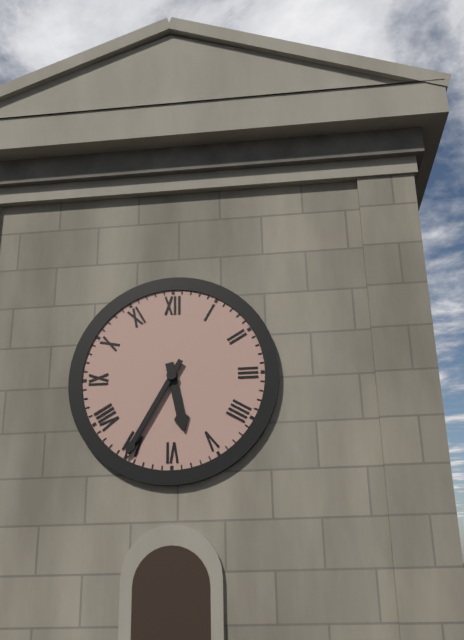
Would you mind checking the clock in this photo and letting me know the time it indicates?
5:35
